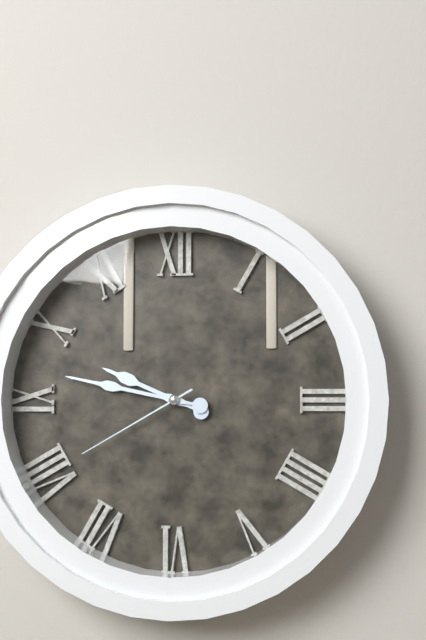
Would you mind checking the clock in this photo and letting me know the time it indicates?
9:47:40
